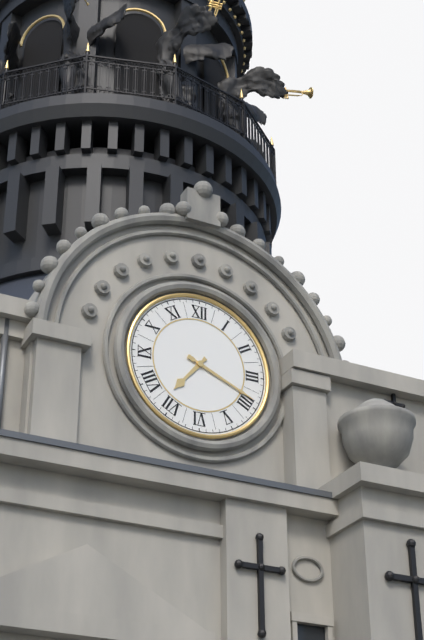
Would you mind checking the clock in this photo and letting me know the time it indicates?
7:19
